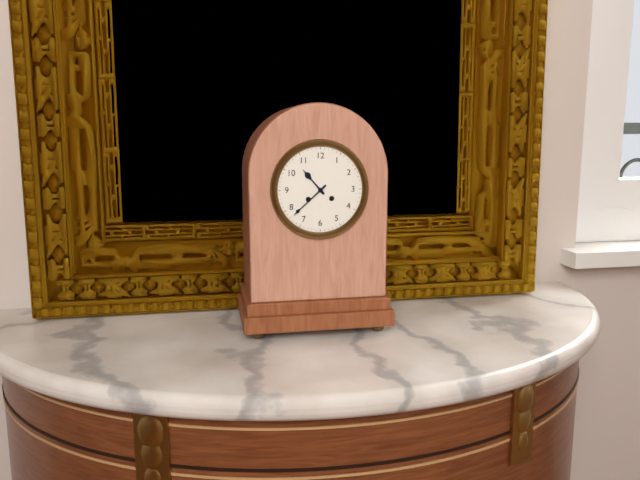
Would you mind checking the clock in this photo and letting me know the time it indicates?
10:38
